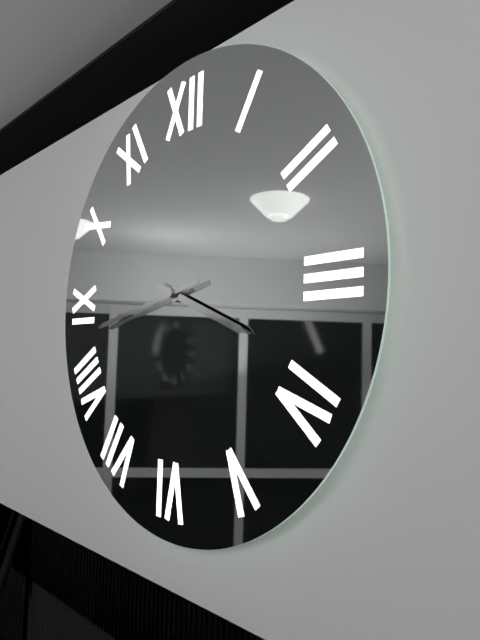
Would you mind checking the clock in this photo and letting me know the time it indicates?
3:43
